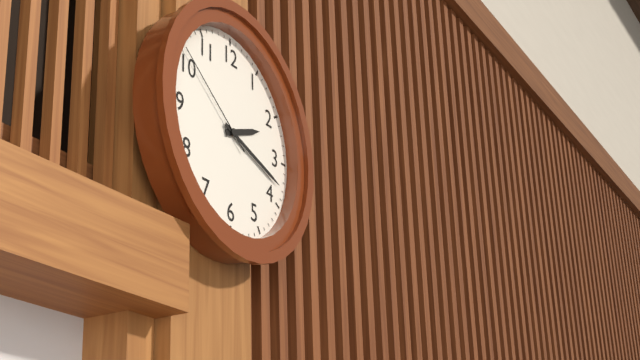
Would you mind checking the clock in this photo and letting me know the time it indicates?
2:18:51
